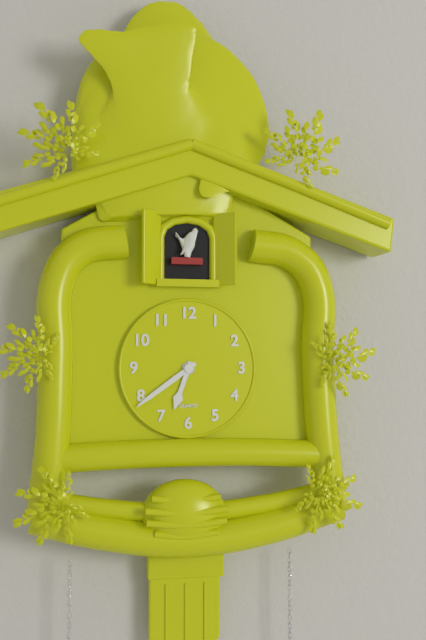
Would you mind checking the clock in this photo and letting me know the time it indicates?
6:39
